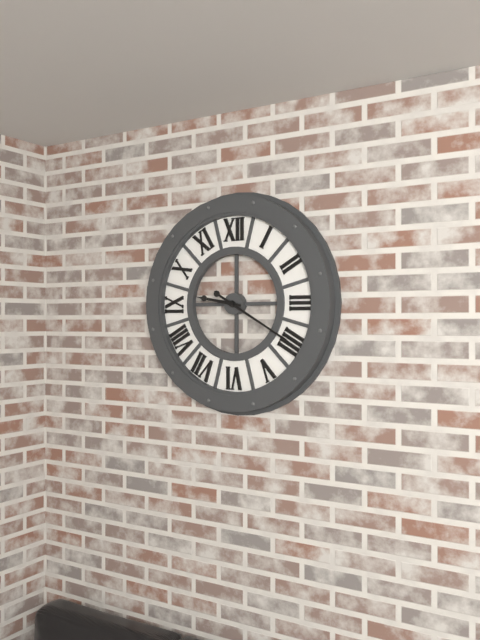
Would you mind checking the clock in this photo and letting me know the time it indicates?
9:20
